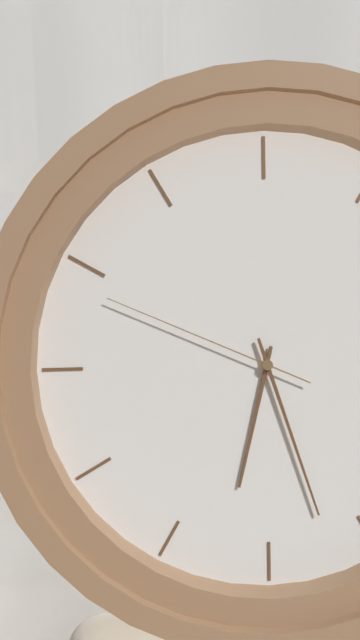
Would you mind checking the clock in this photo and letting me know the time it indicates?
6:27:49
